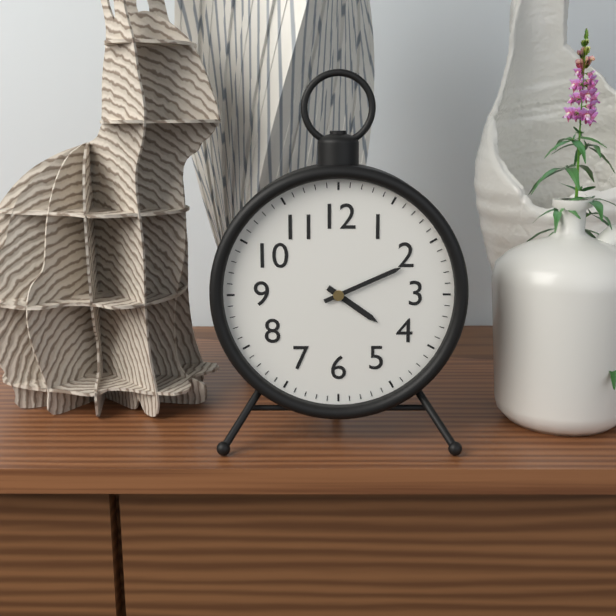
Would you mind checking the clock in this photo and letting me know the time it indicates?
4:11
